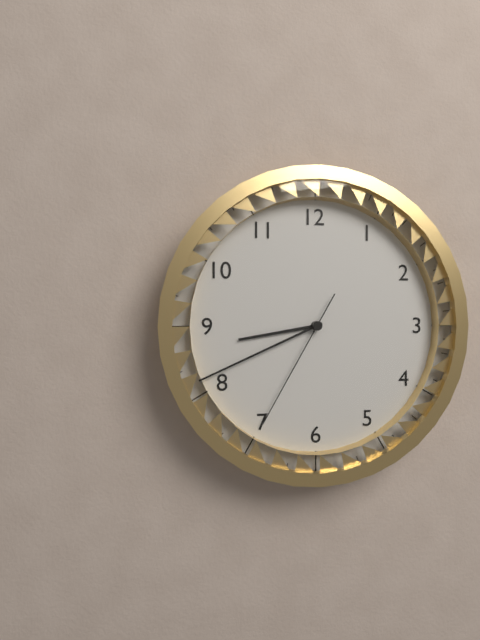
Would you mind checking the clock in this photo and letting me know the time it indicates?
8:41:35
